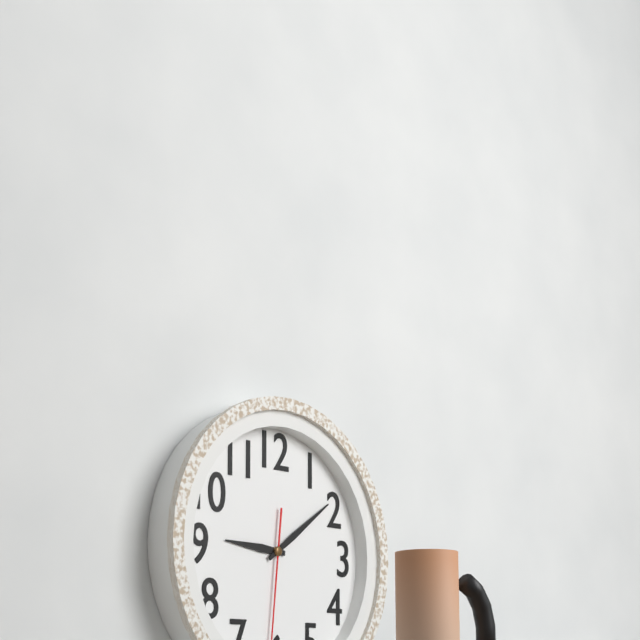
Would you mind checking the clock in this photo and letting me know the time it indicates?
9:09
